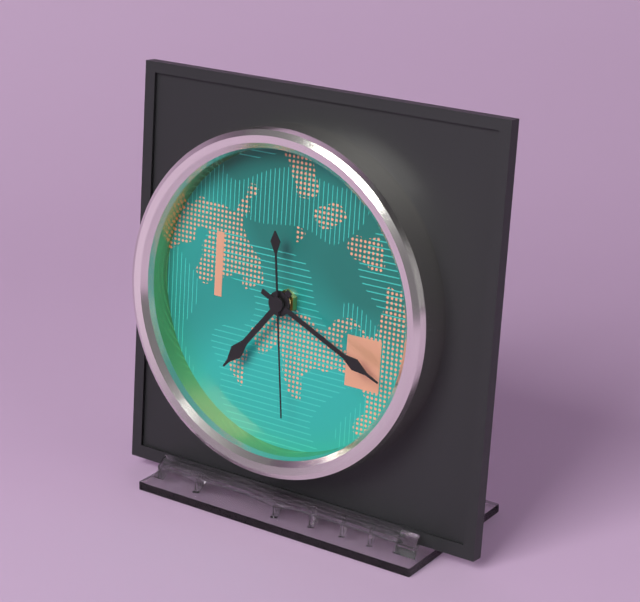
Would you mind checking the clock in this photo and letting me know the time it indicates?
7:19:29
